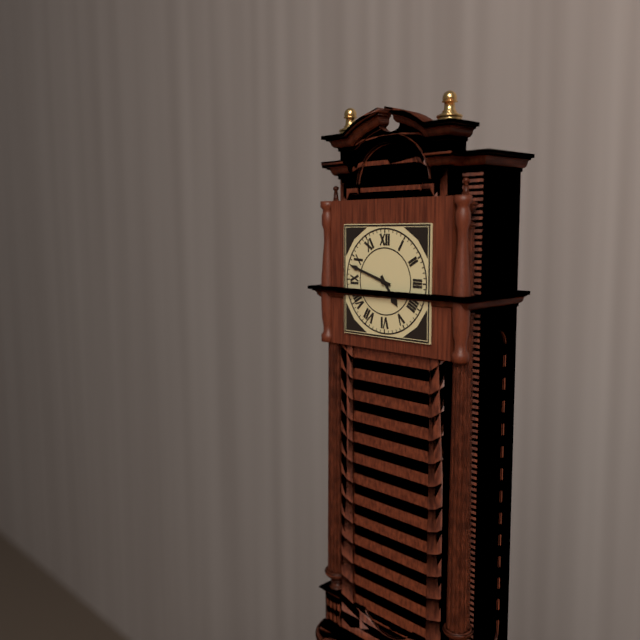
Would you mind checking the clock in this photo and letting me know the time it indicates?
4:48
